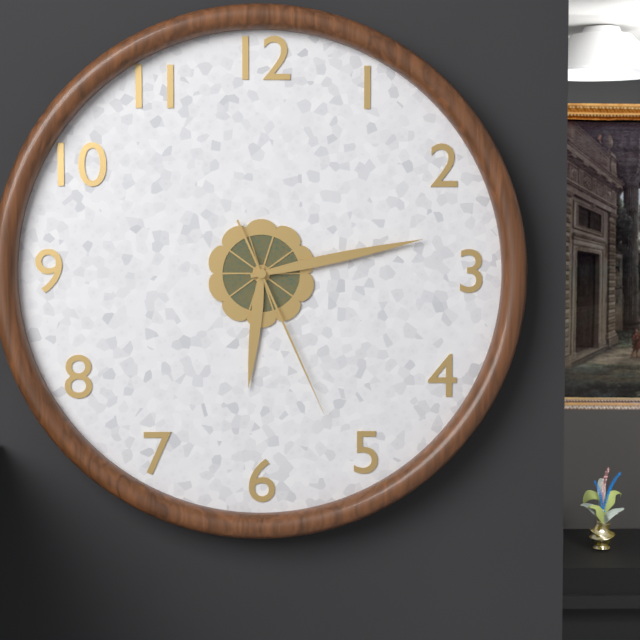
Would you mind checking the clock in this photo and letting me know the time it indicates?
6:13:26
